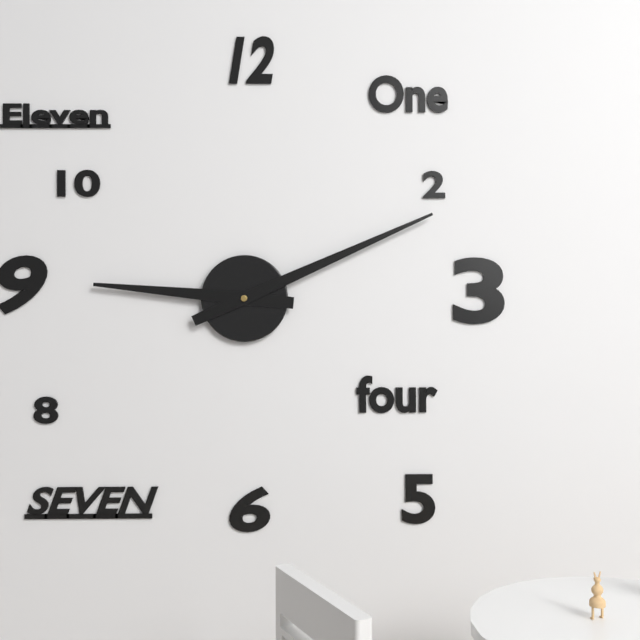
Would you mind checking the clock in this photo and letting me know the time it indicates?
9:11
